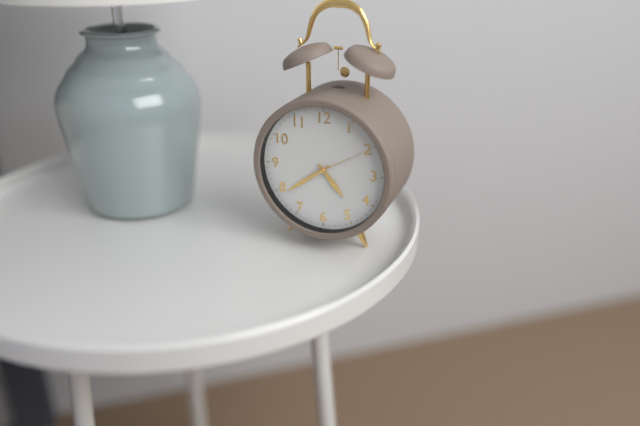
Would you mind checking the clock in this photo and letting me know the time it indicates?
4:39:10
